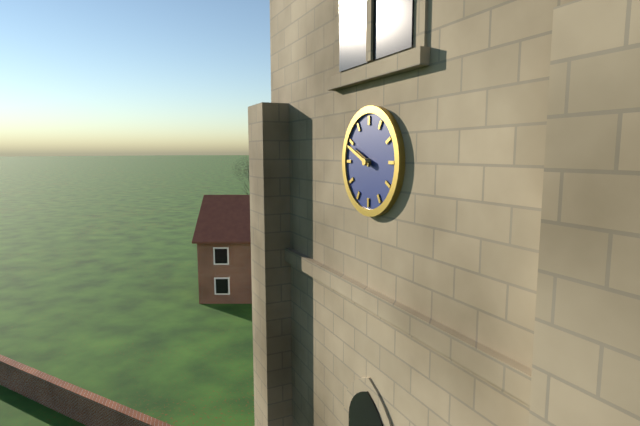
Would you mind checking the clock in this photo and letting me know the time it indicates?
9:49
